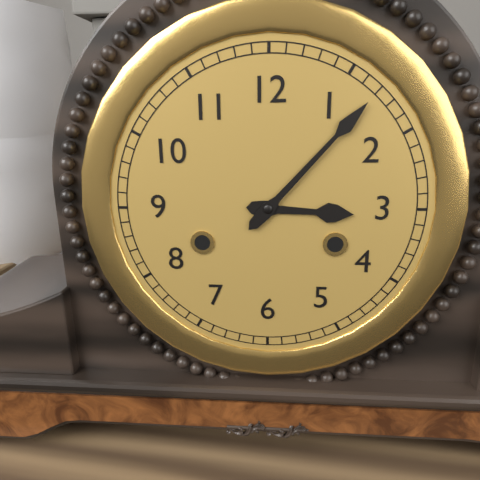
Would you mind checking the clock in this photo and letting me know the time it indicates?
3:07
